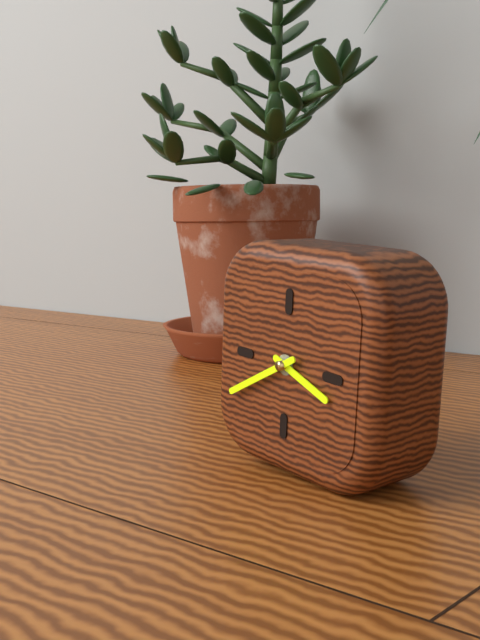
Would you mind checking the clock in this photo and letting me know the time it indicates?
3:40
